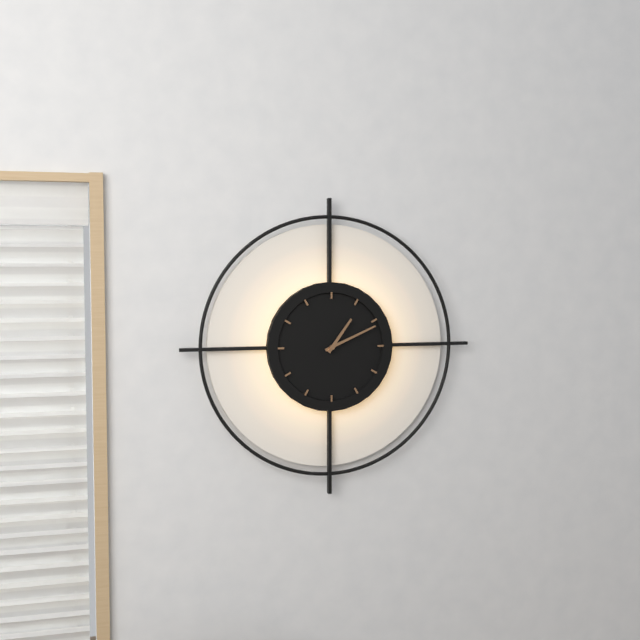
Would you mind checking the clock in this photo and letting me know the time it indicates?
1:11
